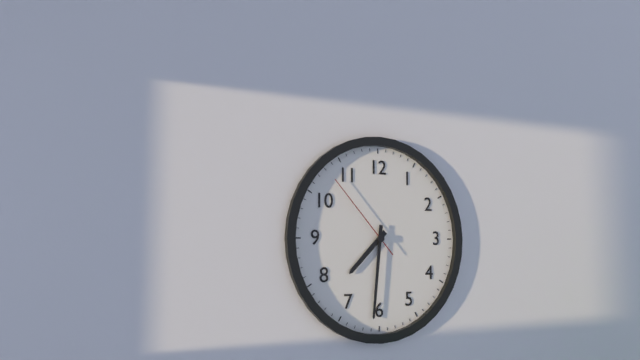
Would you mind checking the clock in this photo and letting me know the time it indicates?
7:31:53
